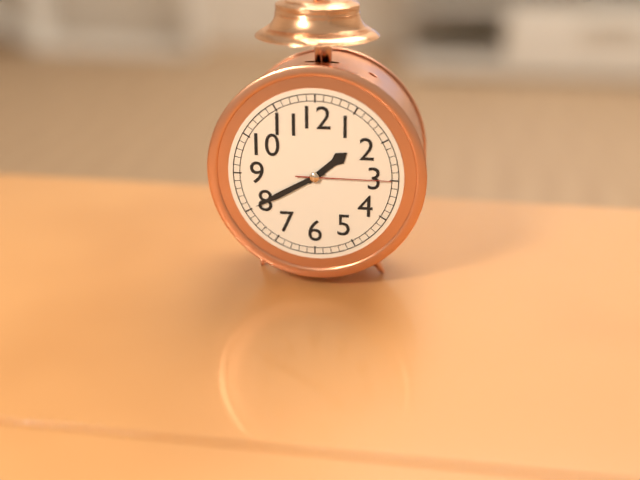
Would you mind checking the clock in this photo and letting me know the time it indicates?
1:40:15
